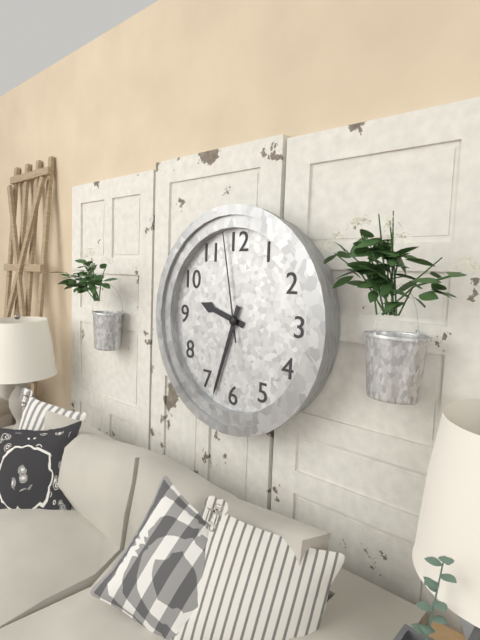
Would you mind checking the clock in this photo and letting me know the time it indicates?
9:33:58
